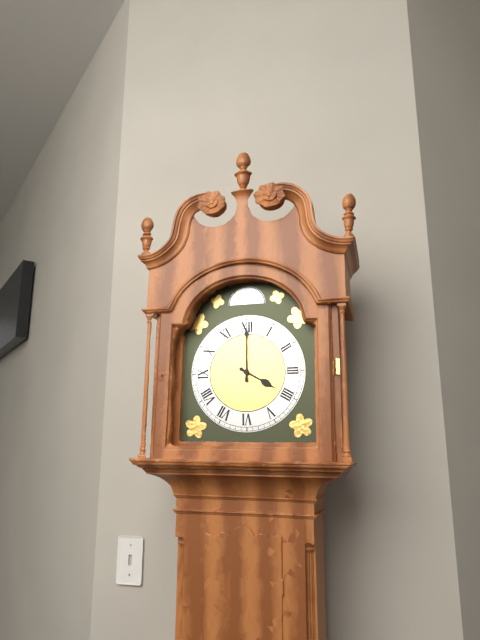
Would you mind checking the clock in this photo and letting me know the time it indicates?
4:00
